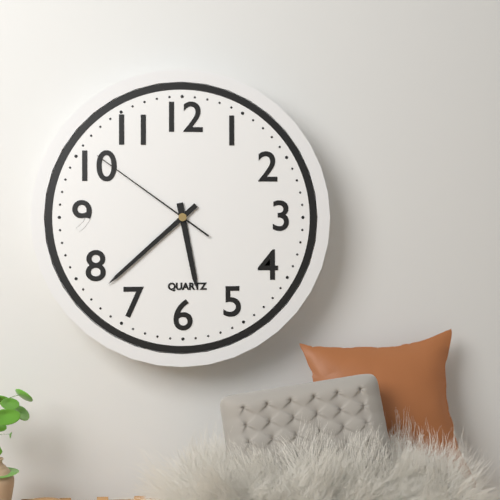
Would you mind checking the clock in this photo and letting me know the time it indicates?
5:38:51
